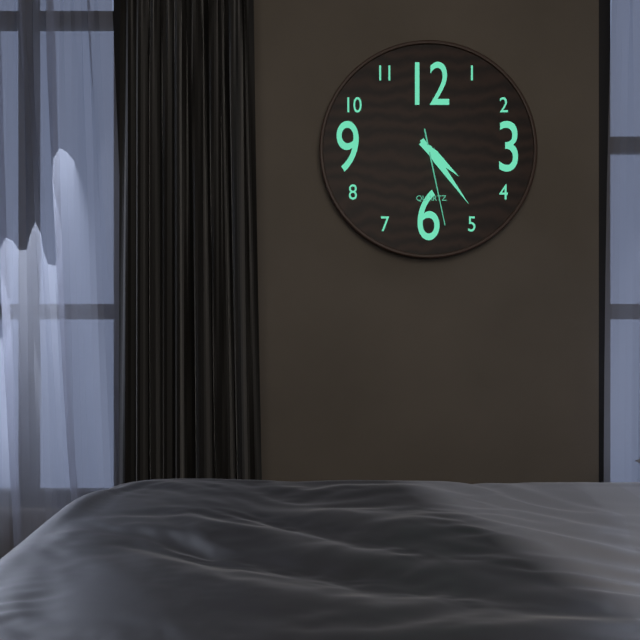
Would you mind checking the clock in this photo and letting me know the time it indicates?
4:24:28
